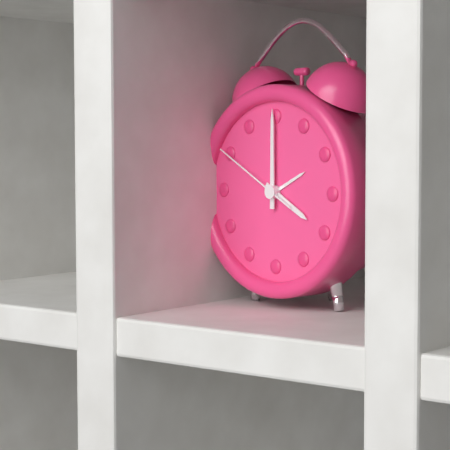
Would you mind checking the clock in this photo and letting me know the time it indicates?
4:00:50
